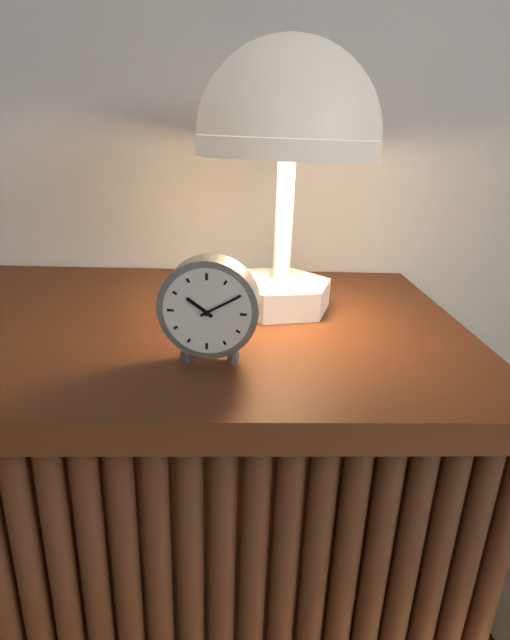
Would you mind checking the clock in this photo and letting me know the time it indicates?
10:10
